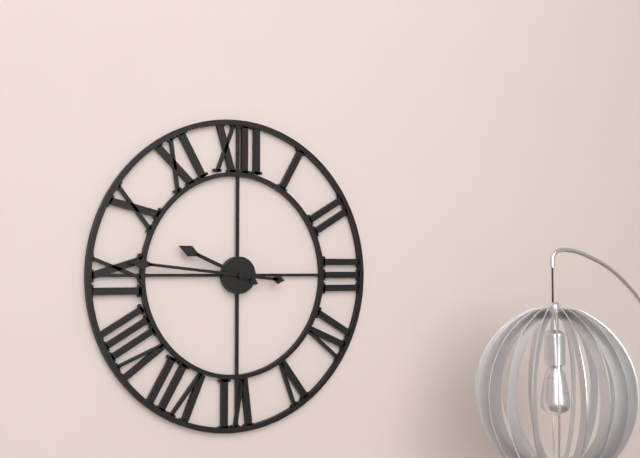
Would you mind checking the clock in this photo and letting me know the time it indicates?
9:46
